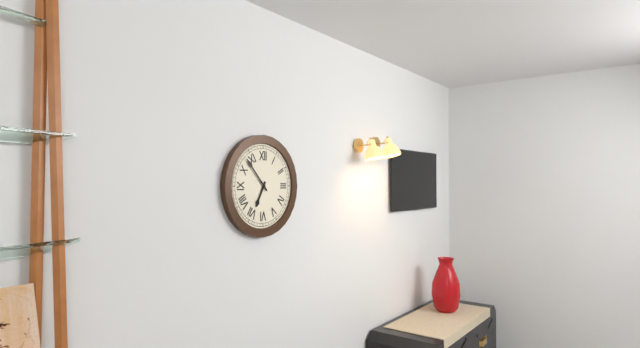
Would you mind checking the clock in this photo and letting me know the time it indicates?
6:53
